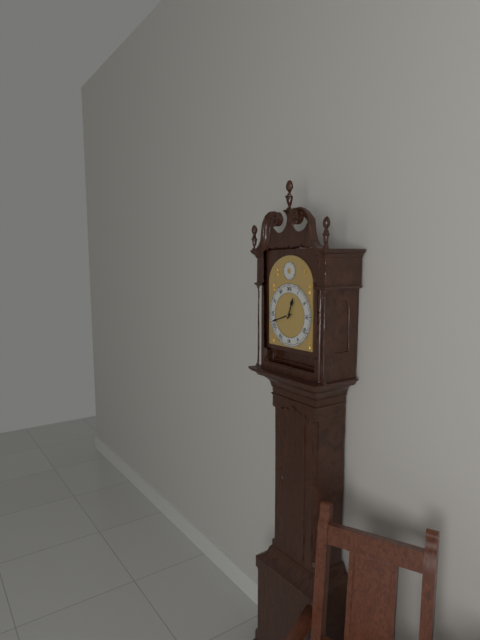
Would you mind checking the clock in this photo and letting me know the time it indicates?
12:42
